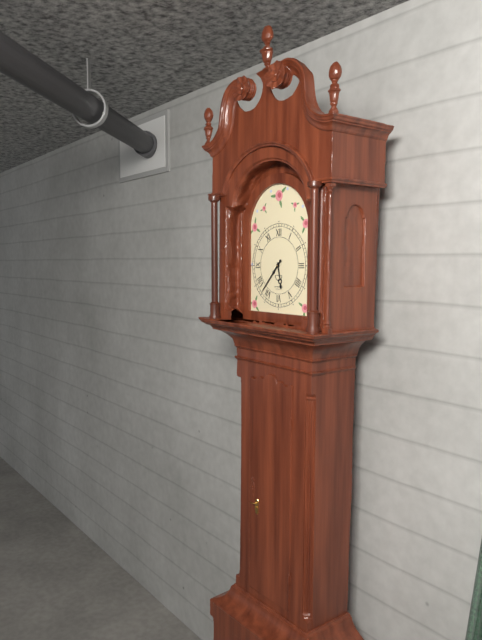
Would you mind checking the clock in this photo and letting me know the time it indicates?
5:37
